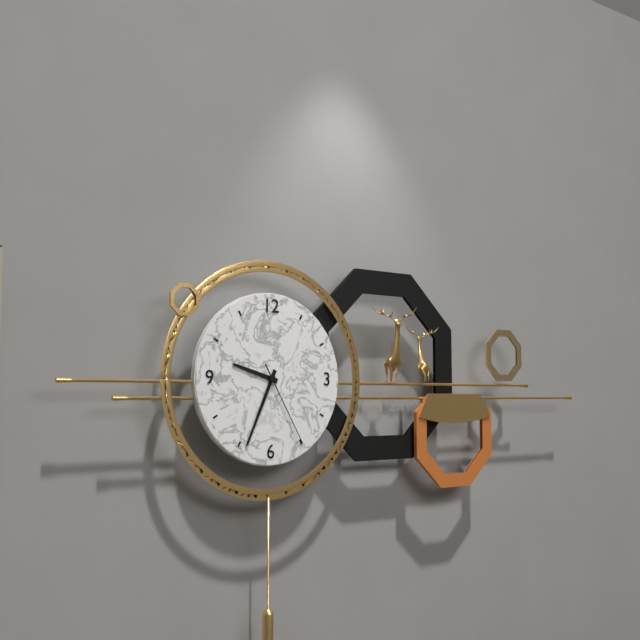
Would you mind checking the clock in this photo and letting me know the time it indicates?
9:34:25
